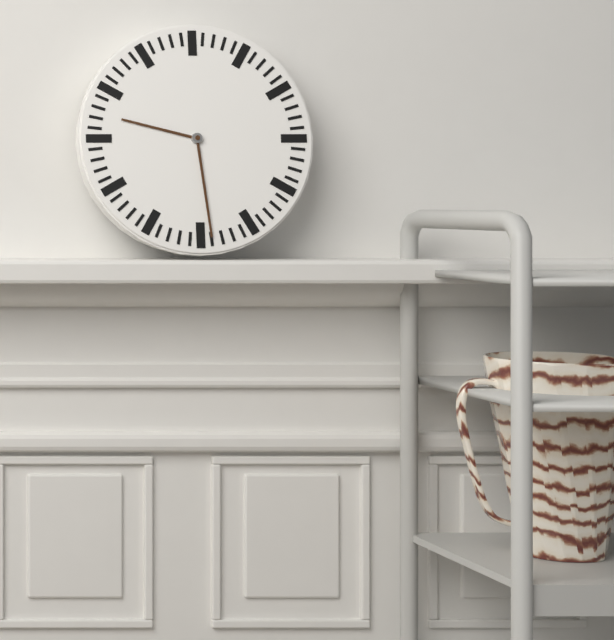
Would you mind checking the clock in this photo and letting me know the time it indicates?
9:29
